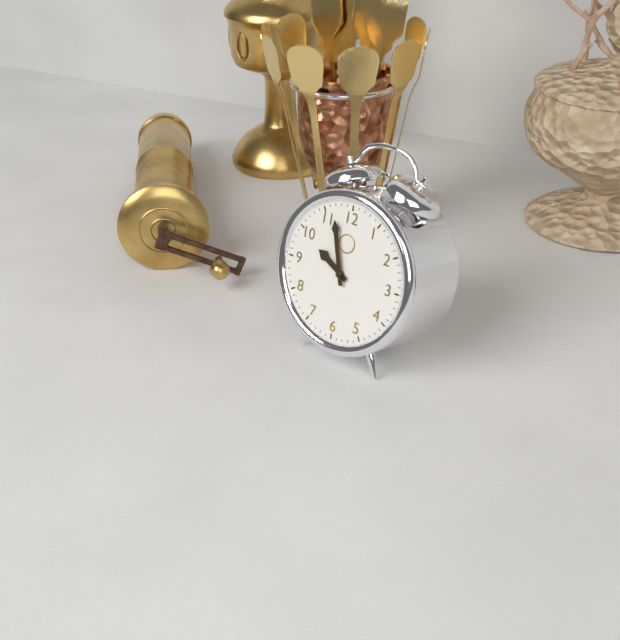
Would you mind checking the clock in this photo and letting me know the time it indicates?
9:57
